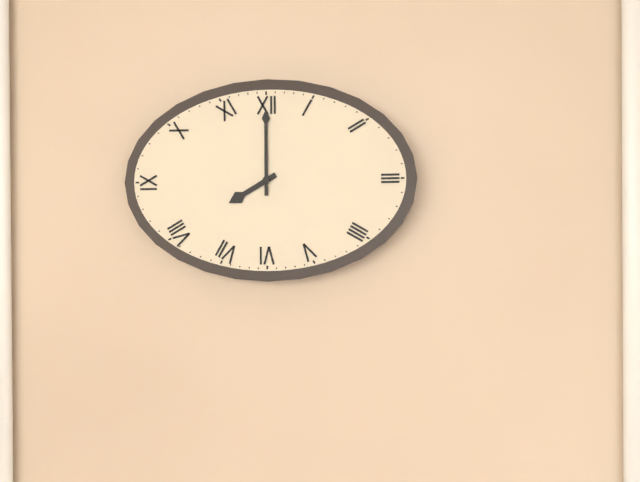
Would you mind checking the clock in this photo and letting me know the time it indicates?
8:00
